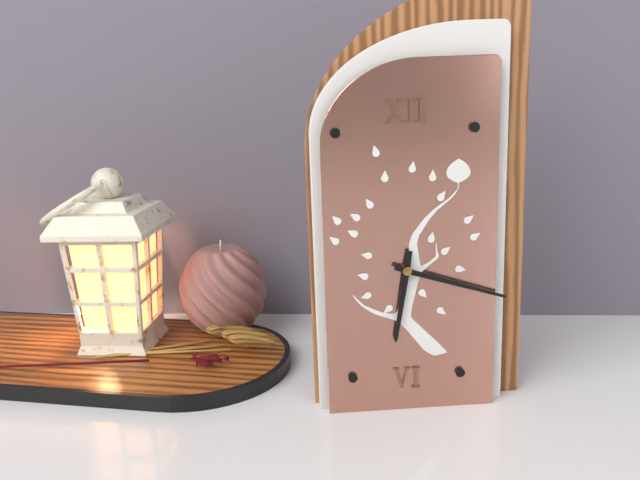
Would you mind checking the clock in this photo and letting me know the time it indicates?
6:18
